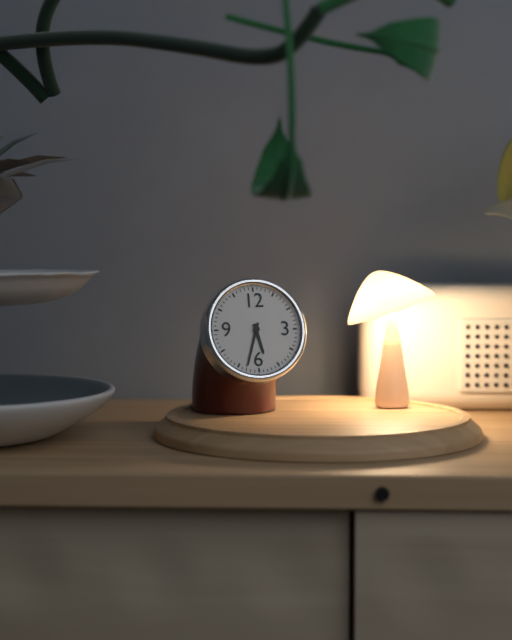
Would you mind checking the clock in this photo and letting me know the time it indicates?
5:33
